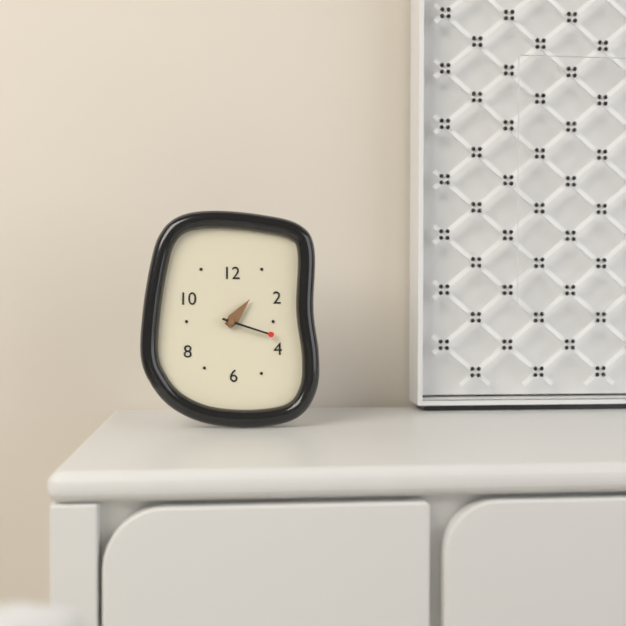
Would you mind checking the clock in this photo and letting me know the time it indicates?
1:18
